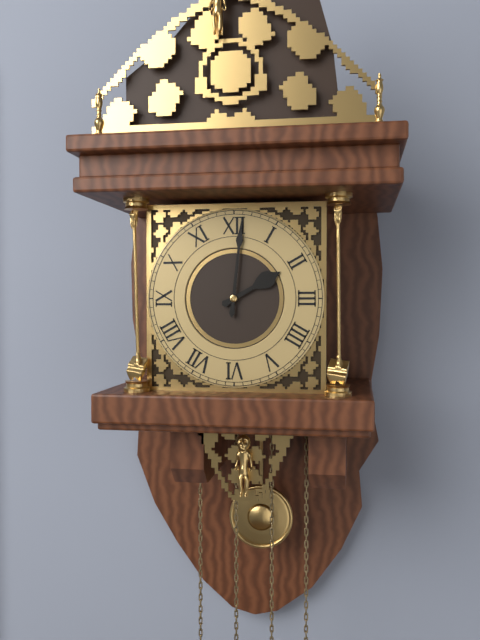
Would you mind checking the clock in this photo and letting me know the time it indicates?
2:01
